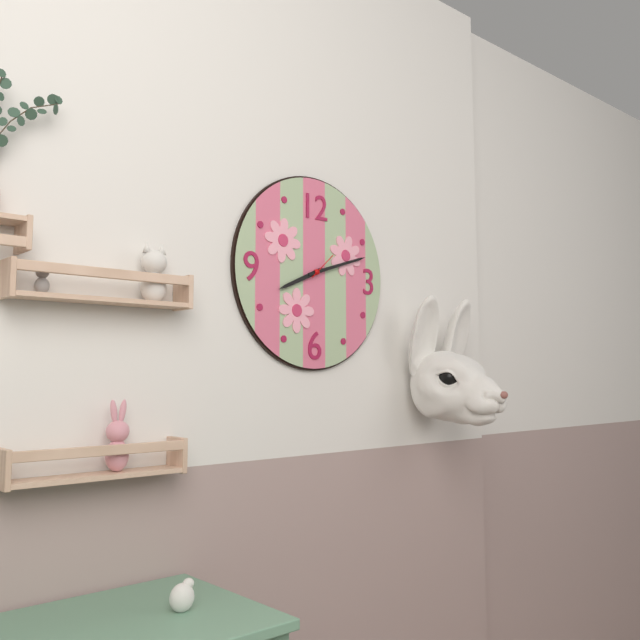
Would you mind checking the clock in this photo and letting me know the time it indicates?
8:12
